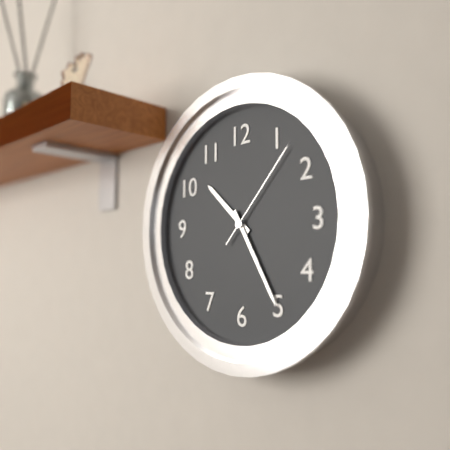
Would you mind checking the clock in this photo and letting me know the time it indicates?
10:25:07
